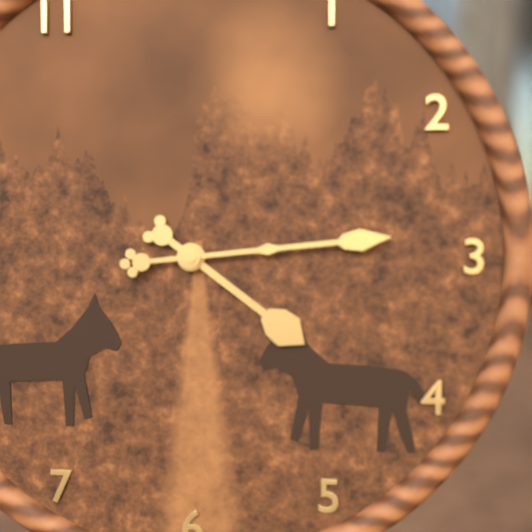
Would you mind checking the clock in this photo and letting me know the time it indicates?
4:14
